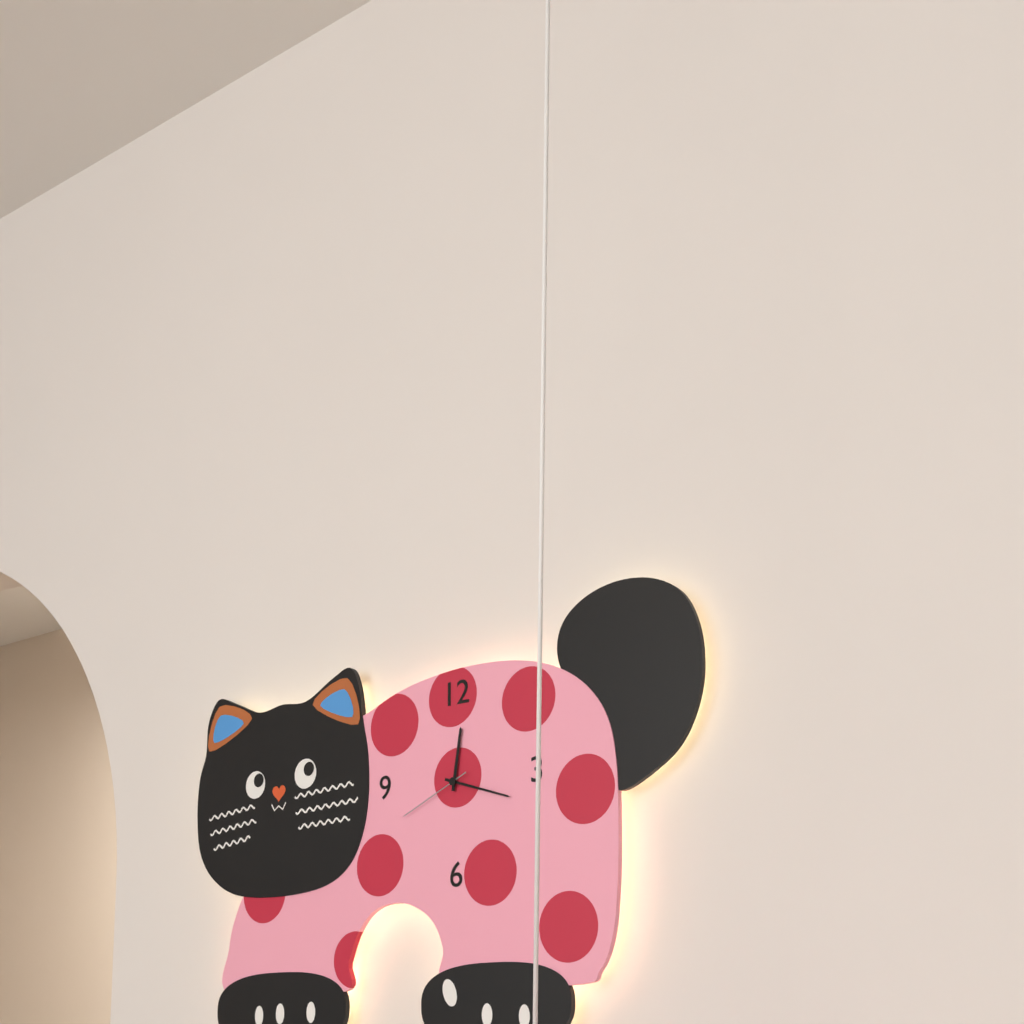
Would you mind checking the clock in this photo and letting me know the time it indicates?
12:18:41
